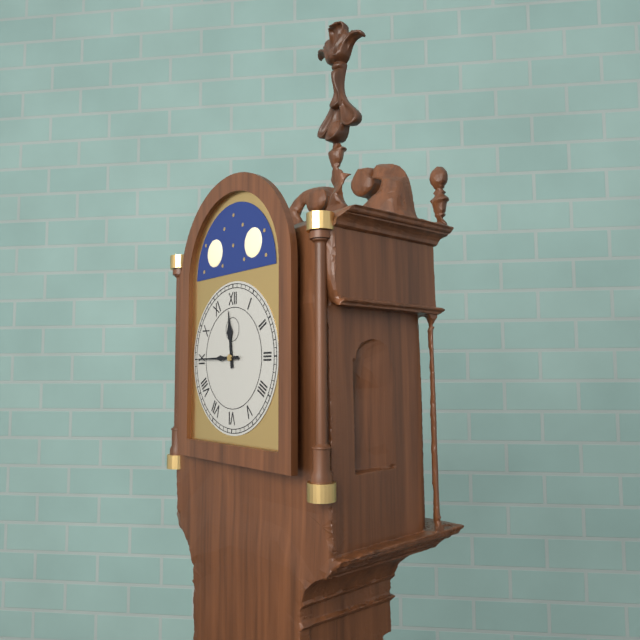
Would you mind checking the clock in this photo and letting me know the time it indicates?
11:45
